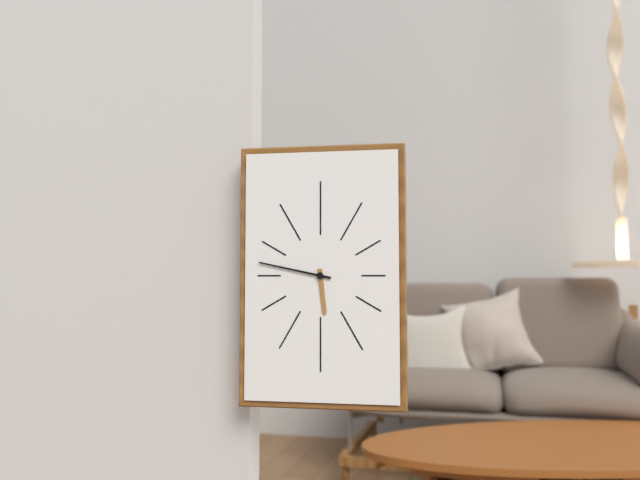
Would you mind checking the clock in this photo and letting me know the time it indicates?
5:47
